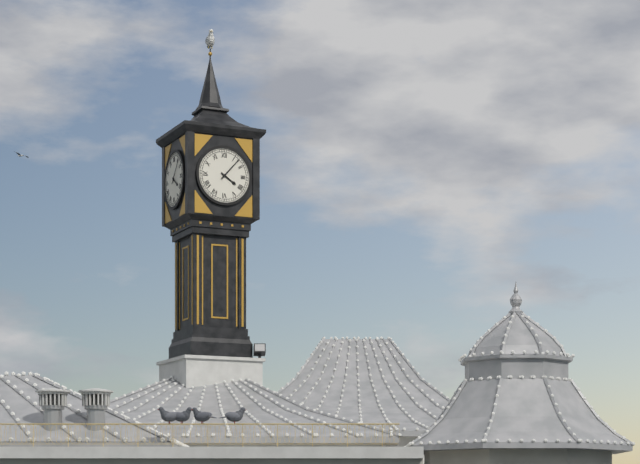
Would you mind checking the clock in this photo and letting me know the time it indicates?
4:07
